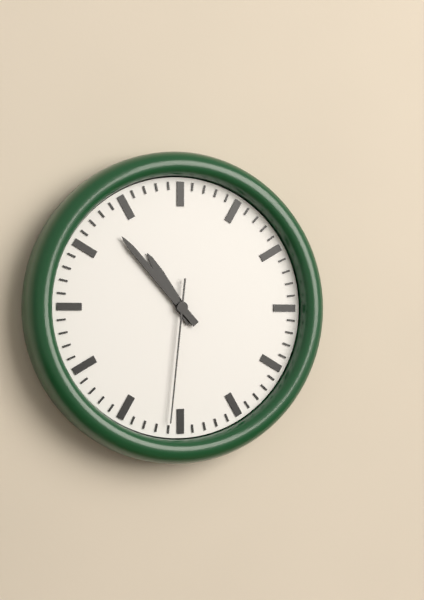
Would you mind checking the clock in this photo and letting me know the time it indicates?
10:53:31
